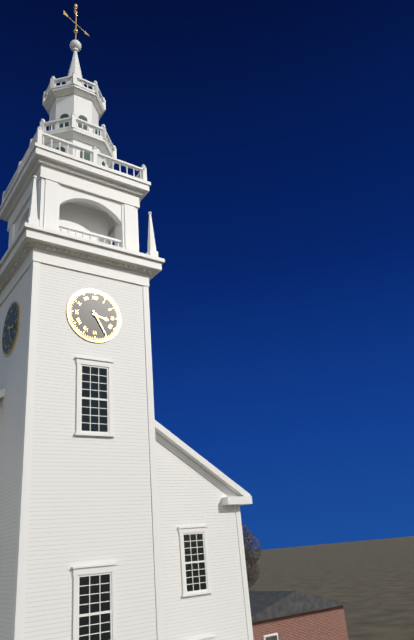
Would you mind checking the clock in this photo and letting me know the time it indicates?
3:25
